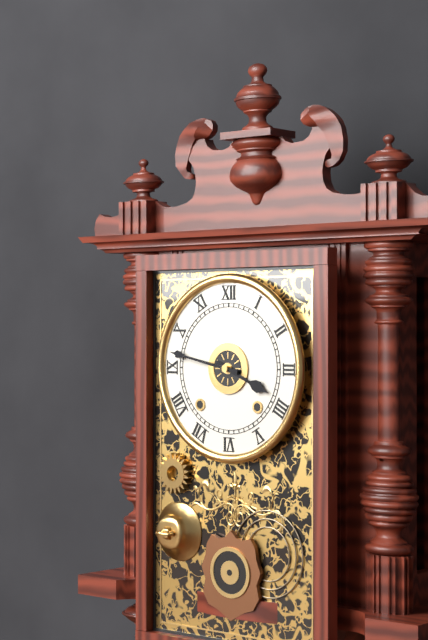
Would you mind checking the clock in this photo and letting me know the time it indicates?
3:47
